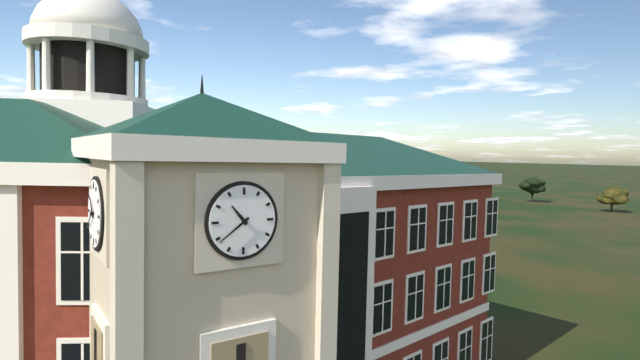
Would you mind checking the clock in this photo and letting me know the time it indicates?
10:39
